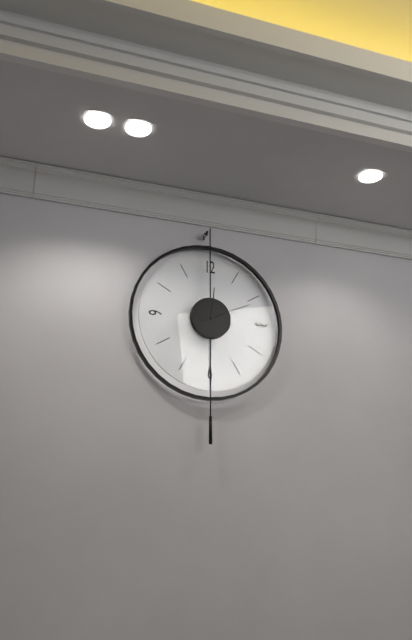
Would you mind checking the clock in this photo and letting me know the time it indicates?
12:11
